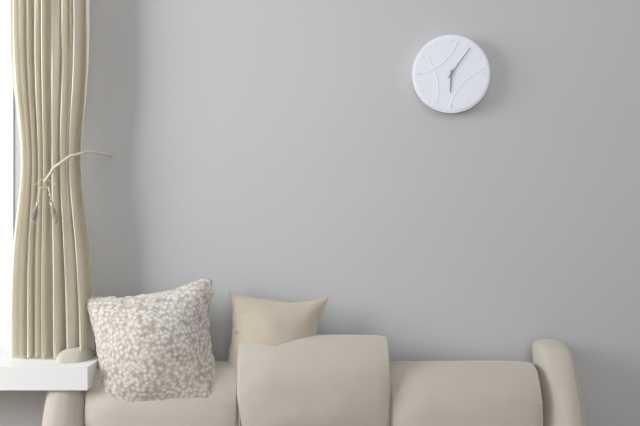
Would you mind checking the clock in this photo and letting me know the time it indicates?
6:06
